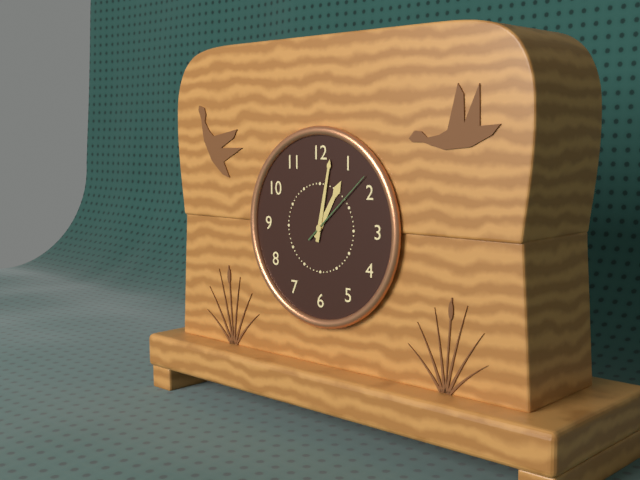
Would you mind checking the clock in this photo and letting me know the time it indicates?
1:02:08
